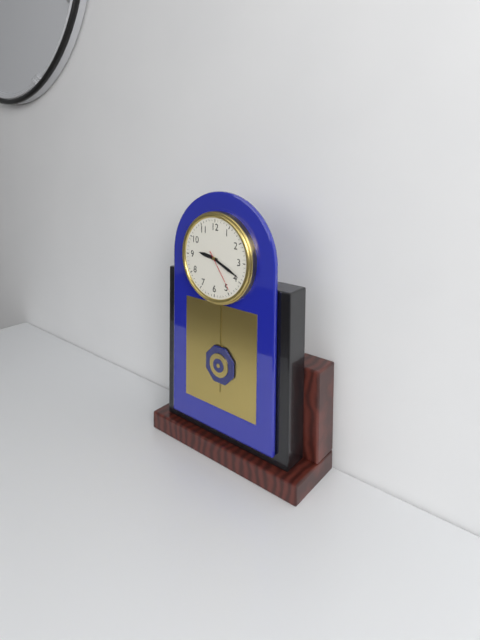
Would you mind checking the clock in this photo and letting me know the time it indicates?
9:19
